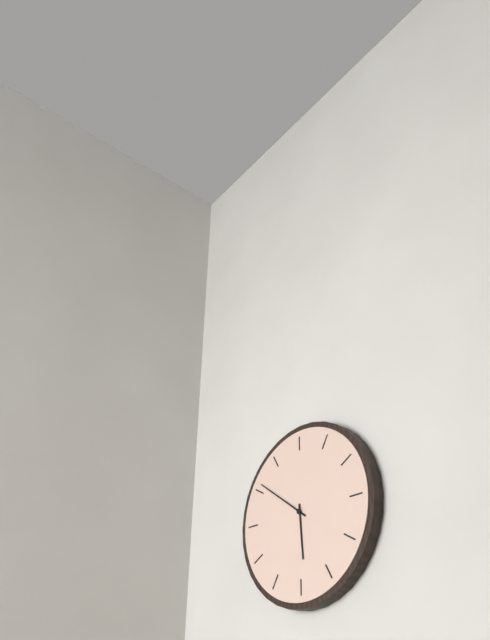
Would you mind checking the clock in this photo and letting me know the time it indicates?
5:51
